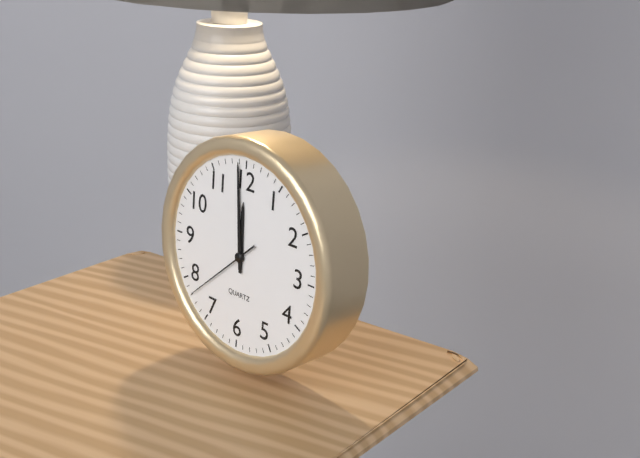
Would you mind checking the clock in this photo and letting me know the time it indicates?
11:59:38
